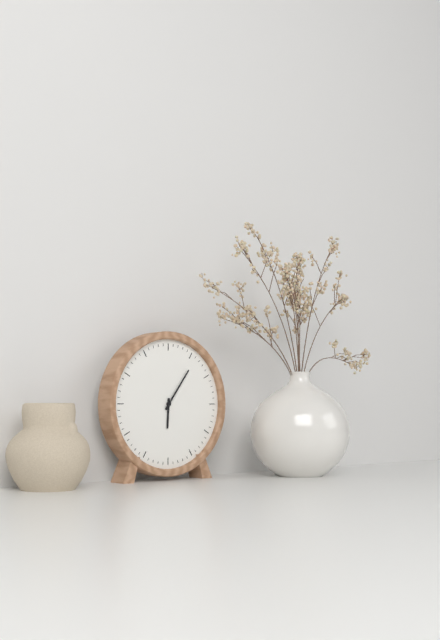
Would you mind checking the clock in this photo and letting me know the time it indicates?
6:06
